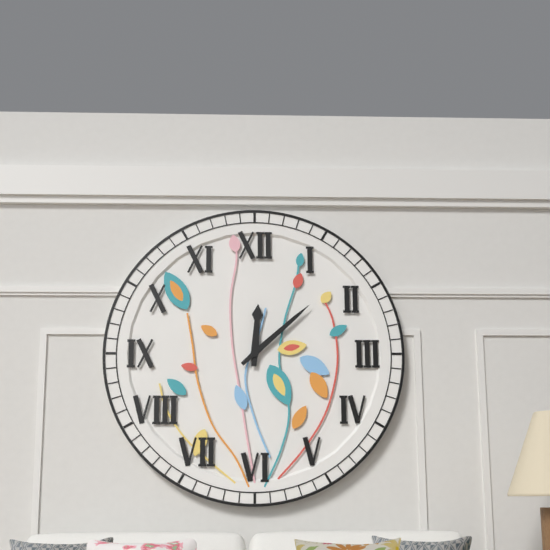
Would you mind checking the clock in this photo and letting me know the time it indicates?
12:08
